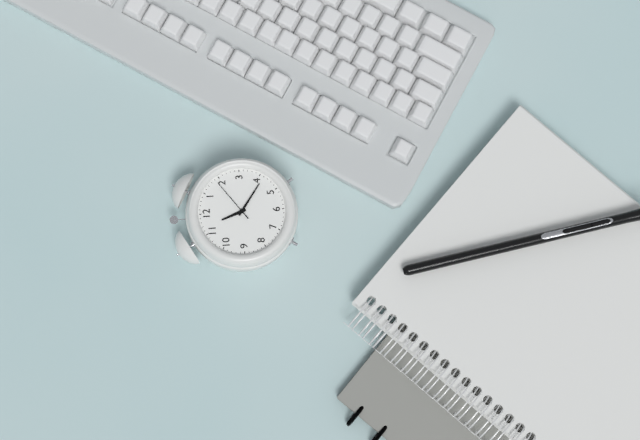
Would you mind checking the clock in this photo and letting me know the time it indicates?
11:21
